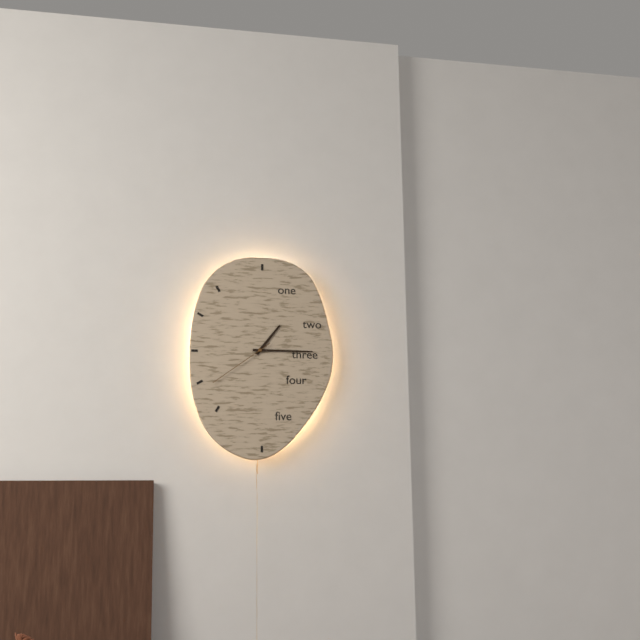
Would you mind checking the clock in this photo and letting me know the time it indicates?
1:15:39
